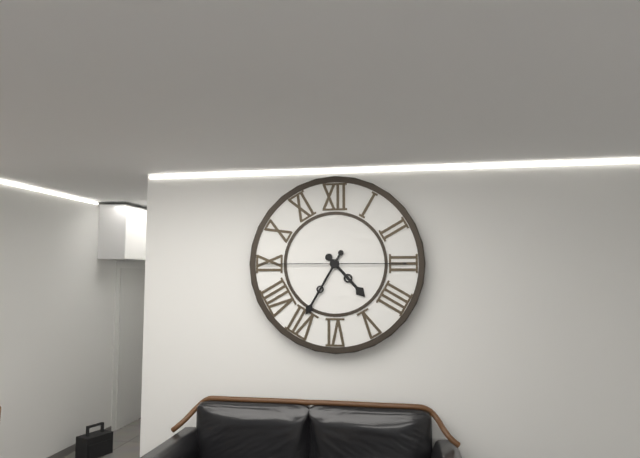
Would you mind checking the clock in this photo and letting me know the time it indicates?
4:35:45
